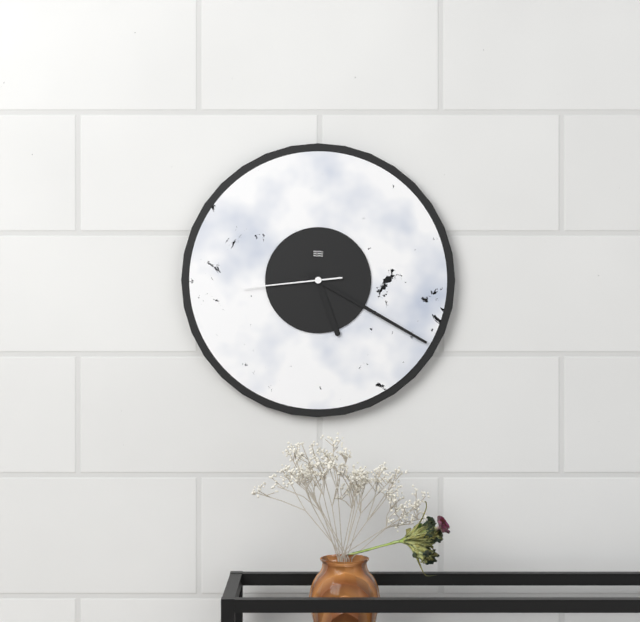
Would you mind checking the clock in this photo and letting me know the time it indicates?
5:20:44
